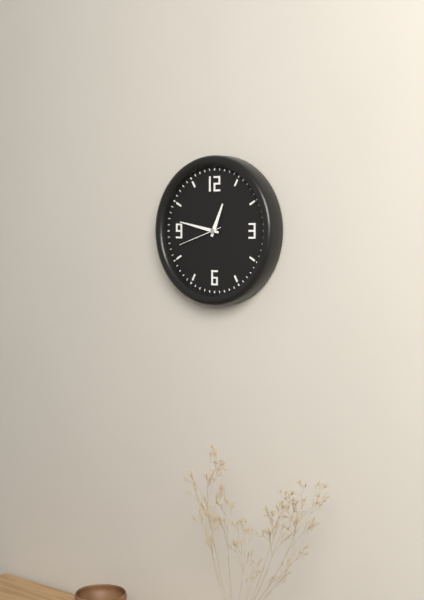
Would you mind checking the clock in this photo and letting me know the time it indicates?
12:47
